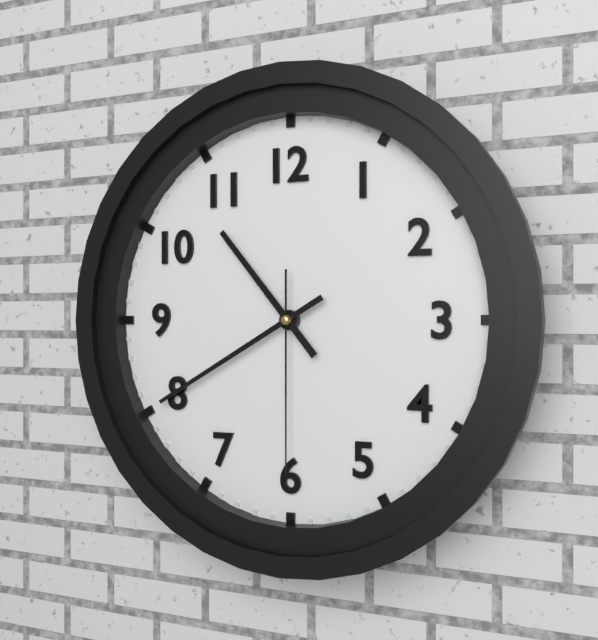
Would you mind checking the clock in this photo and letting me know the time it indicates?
10:40:30
